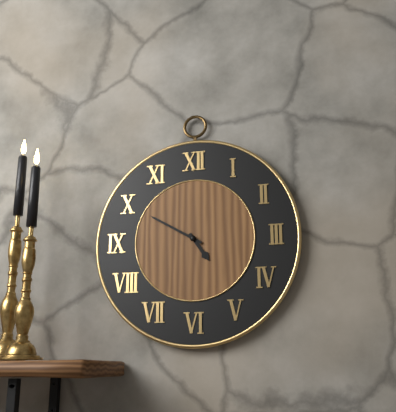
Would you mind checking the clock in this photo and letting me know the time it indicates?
4:50
